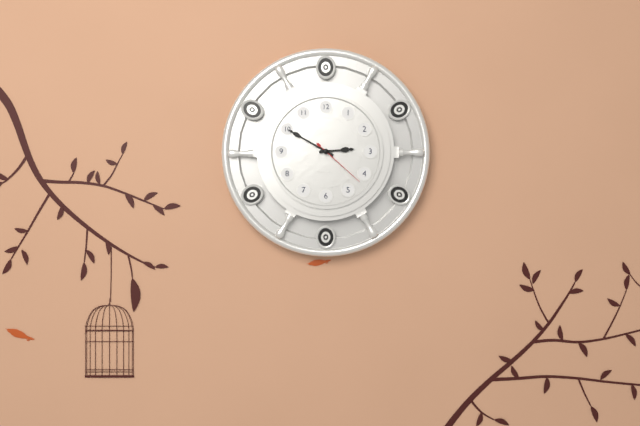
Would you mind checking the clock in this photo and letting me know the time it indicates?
2:50:22
